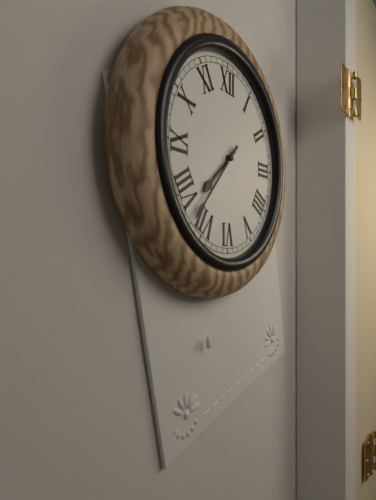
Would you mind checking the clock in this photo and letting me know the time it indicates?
7:37
